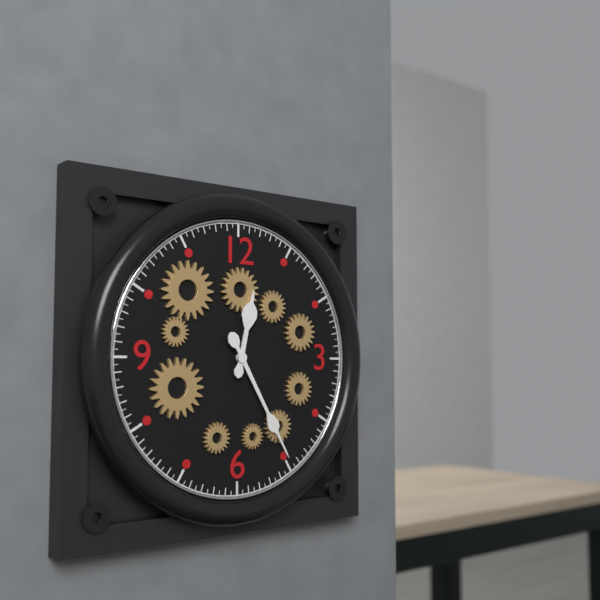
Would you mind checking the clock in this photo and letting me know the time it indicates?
12:25
